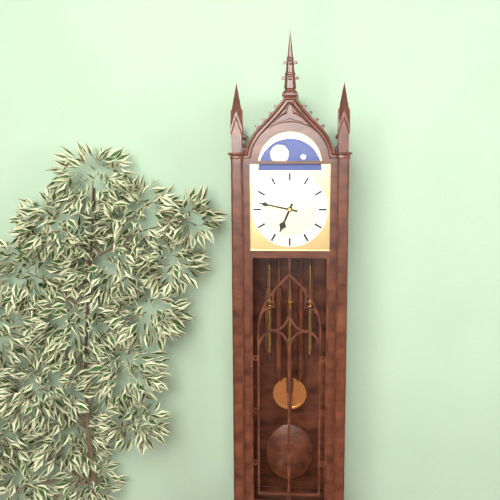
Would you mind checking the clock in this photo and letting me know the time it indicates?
6:47
